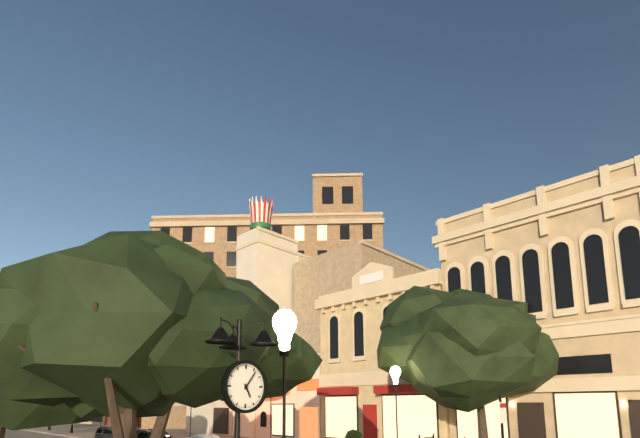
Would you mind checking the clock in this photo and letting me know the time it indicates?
5:06
